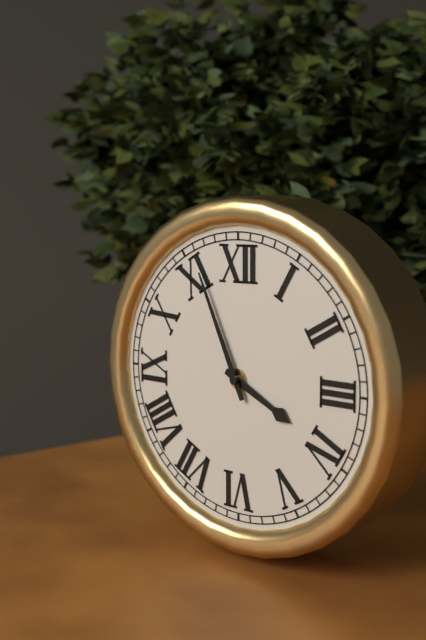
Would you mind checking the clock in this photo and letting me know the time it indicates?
3:56
